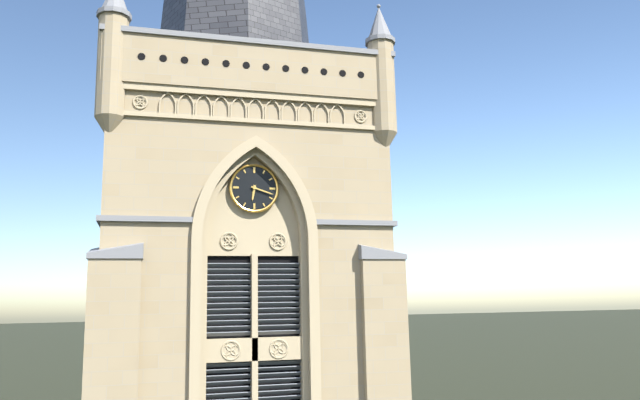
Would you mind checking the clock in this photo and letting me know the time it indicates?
6:18
